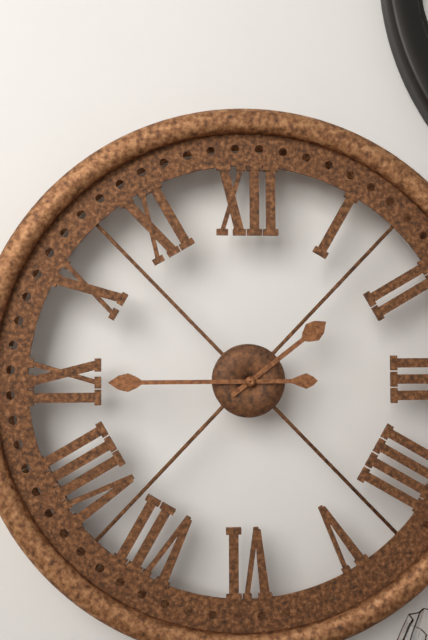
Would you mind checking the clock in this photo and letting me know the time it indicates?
1:45
